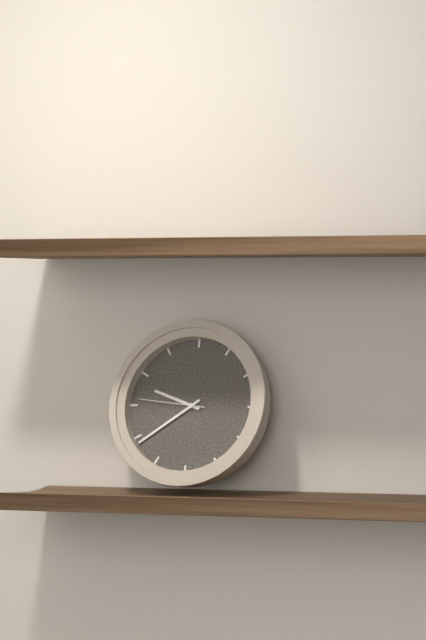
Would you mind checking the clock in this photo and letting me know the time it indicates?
9:39:46
